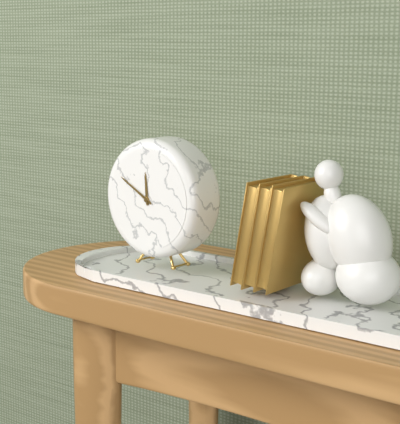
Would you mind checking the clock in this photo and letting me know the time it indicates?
11:50
